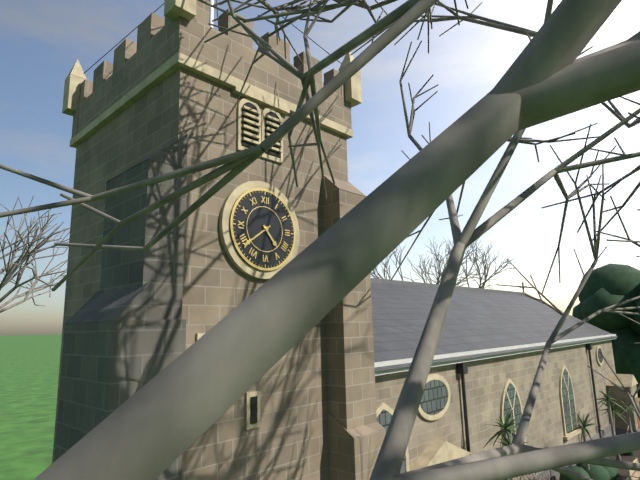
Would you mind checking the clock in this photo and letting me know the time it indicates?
4:39
